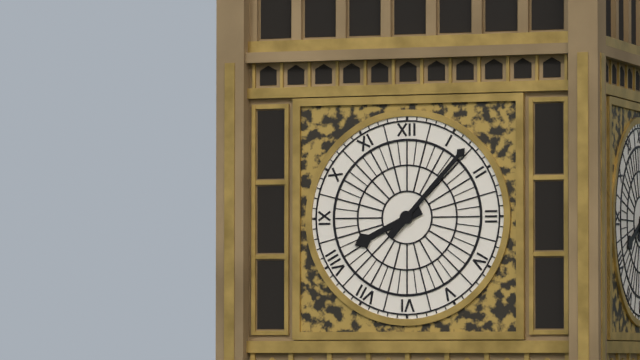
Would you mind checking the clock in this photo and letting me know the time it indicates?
8:07
